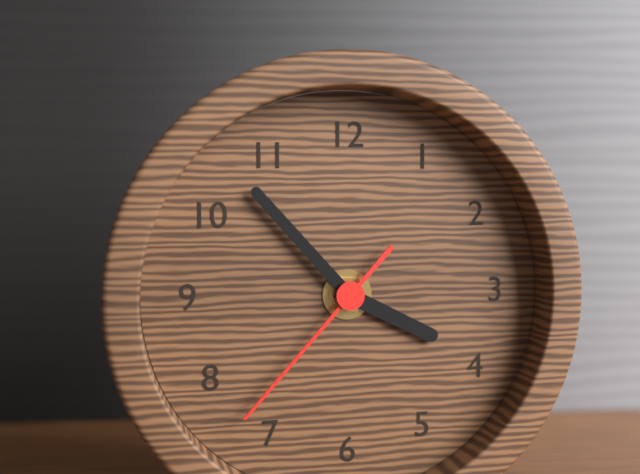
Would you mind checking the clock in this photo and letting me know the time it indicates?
3:53:37
